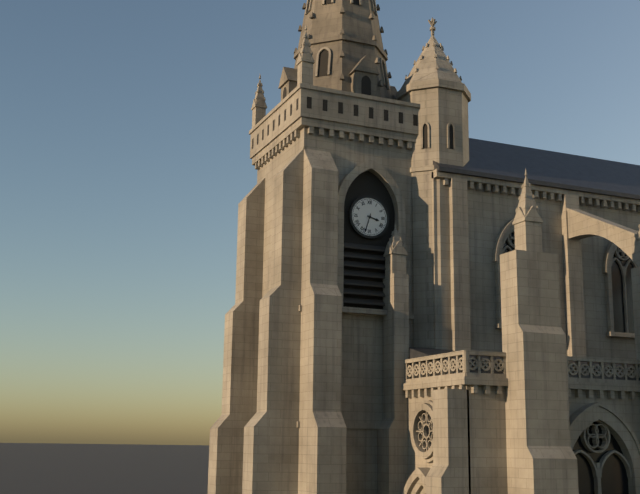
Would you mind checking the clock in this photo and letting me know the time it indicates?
3:33
